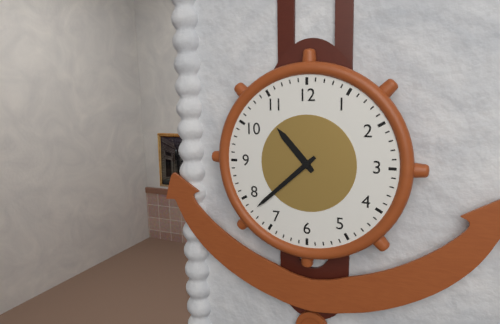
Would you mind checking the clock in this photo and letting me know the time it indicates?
10:38
